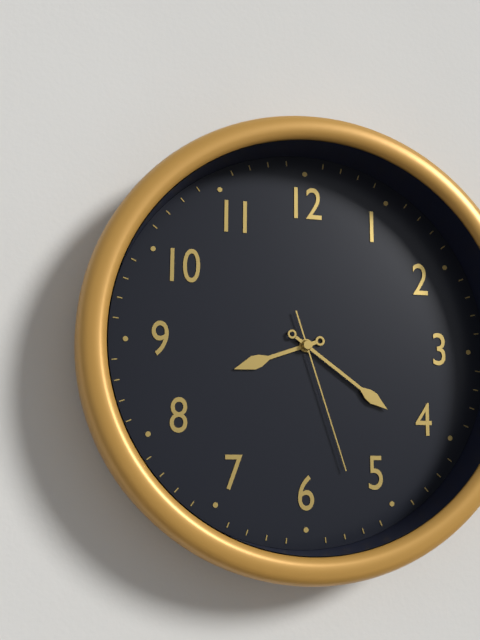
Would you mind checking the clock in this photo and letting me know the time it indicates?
8:21:27
